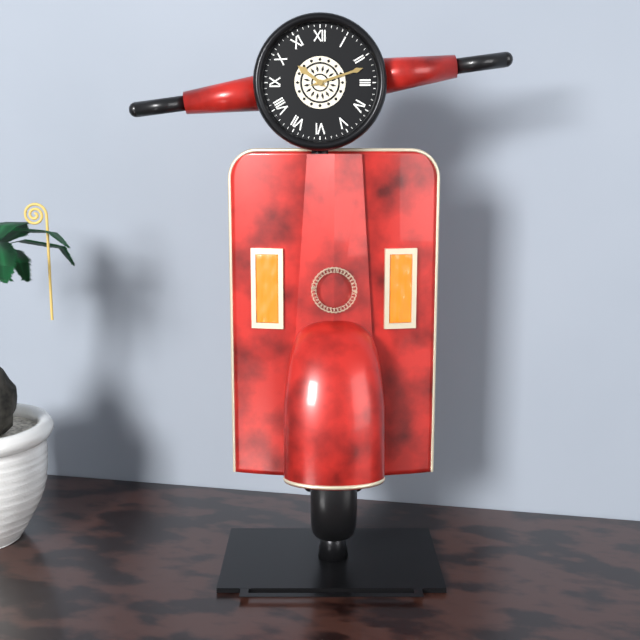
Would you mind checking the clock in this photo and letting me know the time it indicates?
10:12
